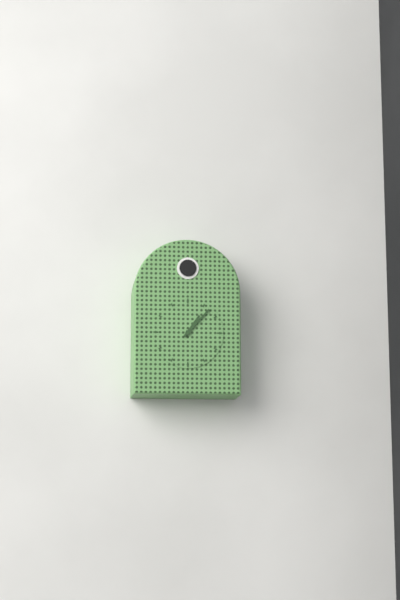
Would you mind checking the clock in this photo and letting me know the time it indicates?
1:07
